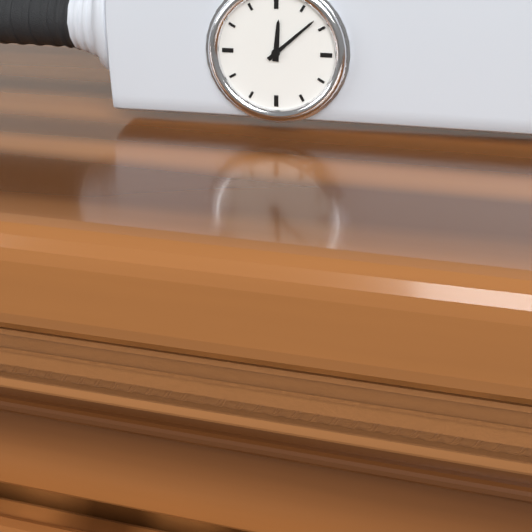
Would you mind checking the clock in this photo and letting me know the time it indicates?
12:08
